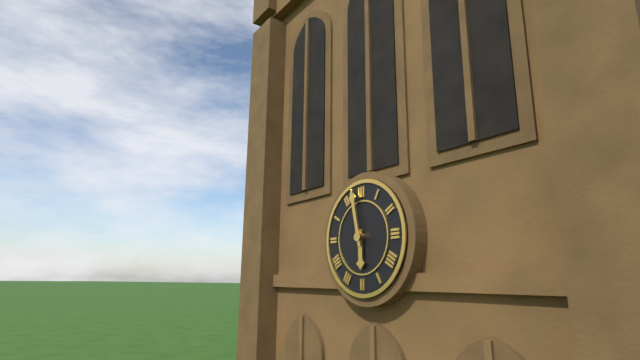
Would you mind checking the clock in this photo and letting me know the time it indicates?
5:58
